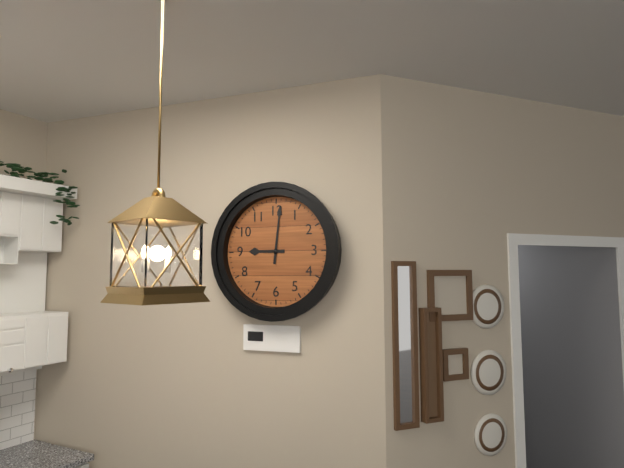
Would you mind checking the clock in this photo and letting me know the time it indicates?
9:01
